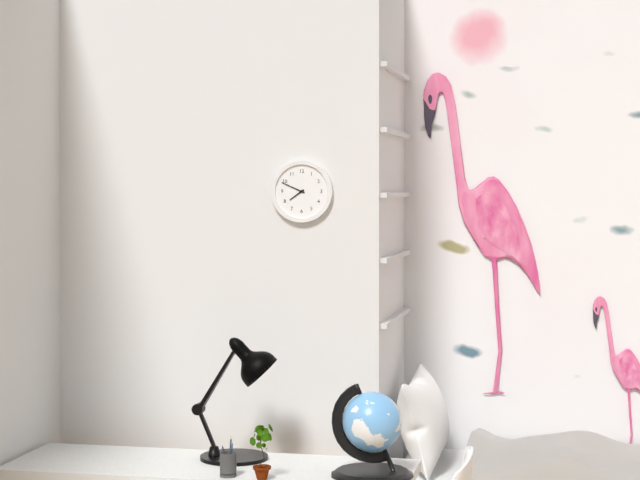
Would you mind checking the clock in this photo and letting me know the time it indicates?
7:49
